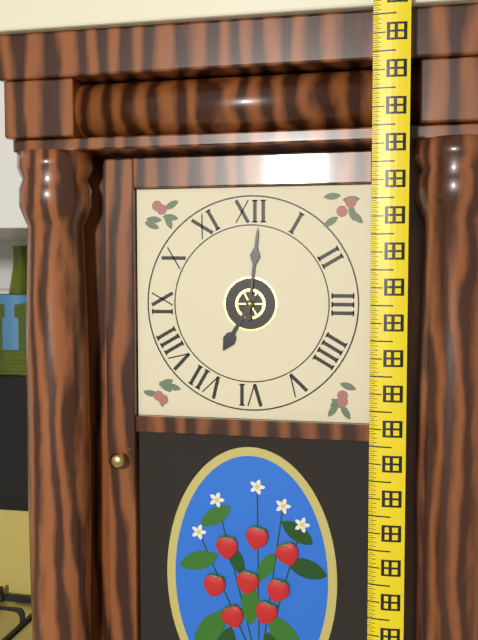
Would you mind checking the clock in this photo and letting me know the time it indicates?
7:01
